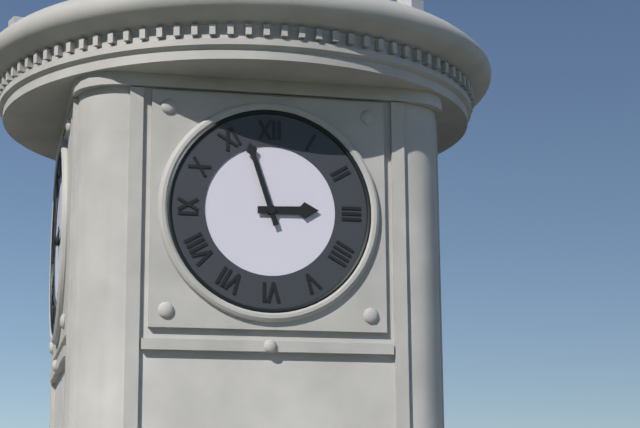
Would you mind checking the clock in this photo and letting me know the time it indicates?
2:57
